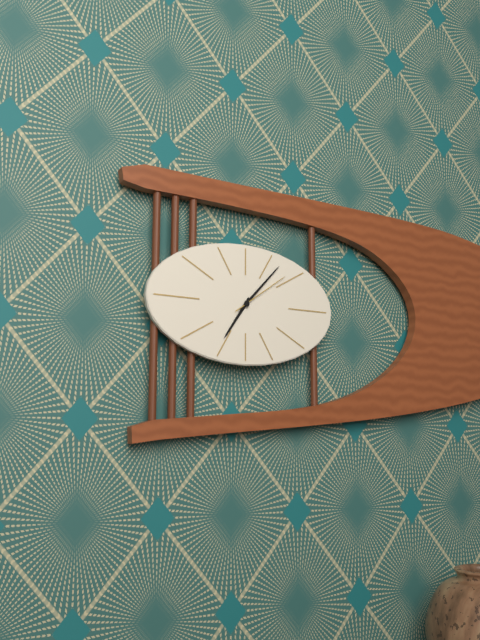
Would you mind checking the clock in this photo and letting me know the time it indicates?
7:07:09
